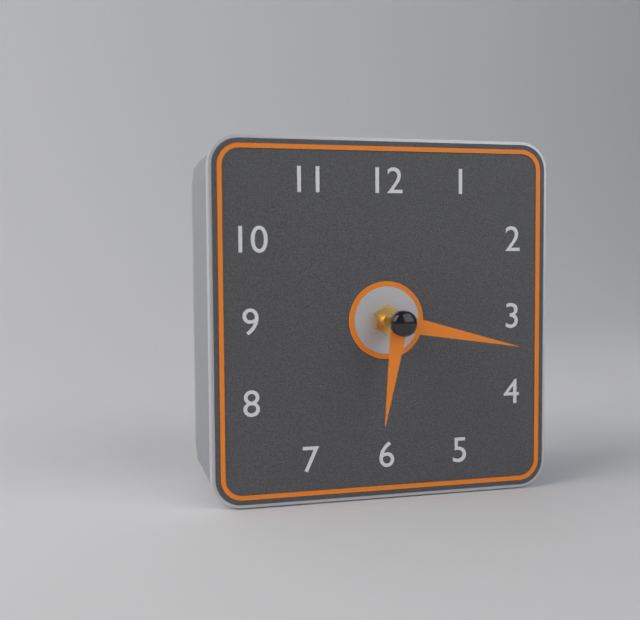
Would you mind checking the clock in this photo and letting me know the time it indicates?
6:17
